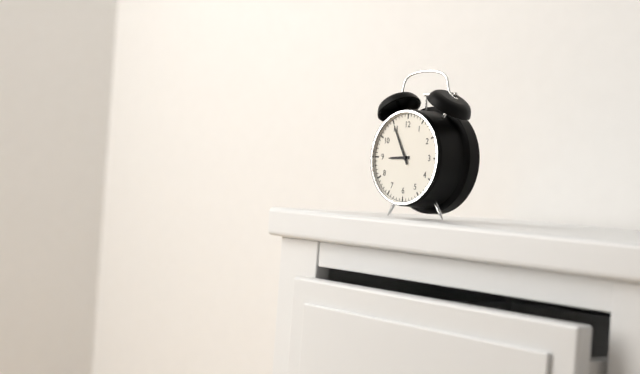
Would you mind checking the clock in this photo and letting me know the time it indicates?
8:55
